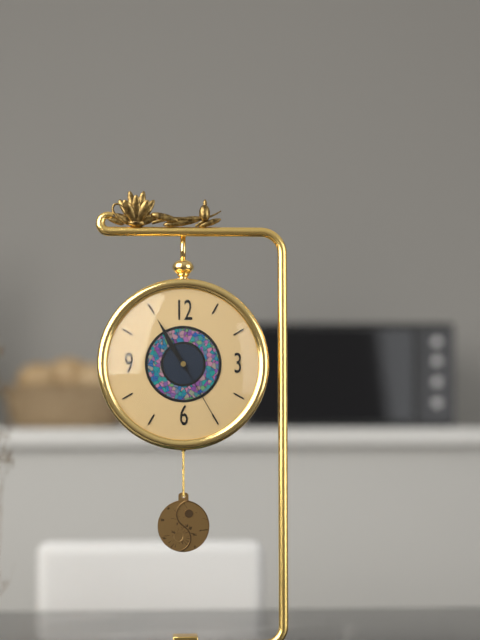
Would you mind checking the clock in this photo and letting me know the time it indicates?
10:55:25
